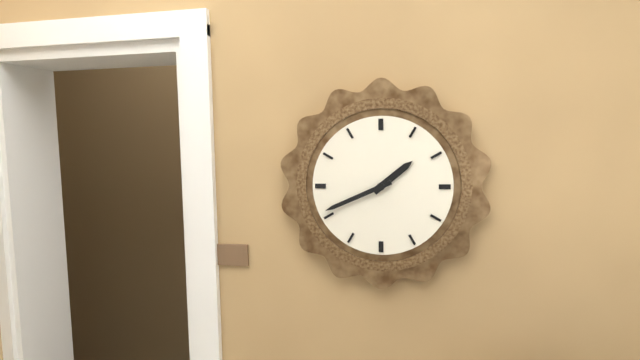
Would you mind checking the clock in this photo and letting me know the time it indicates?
1:41
